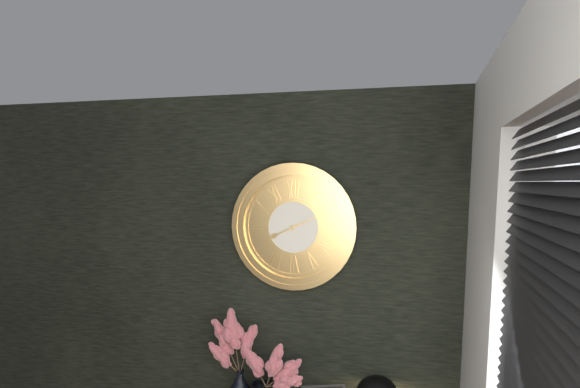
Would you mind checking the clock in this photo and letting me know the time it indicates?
8:11
